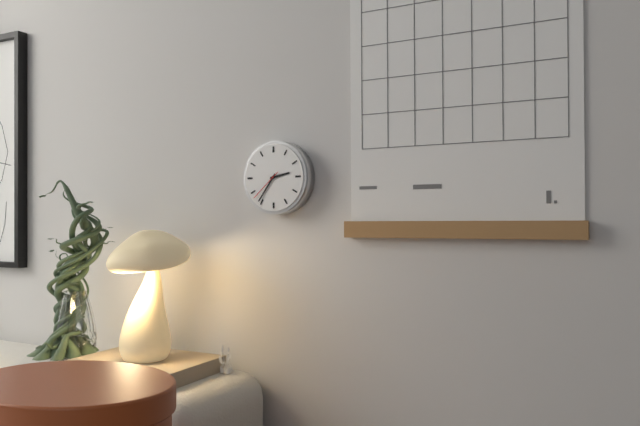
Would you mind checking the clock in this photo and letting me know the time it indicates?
2:36
